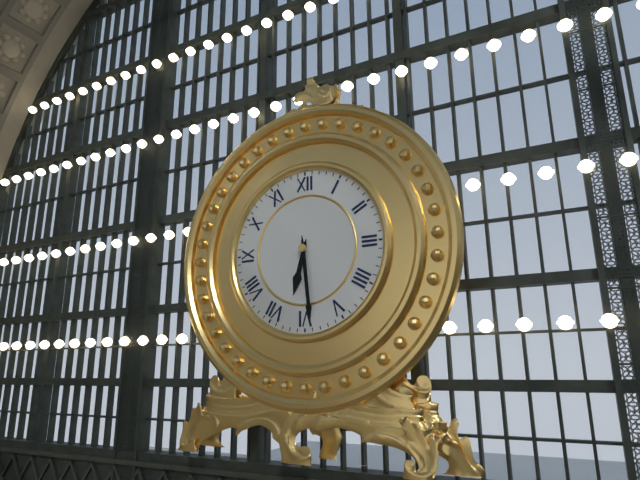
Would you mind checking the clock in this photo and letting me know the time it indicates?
6:29
